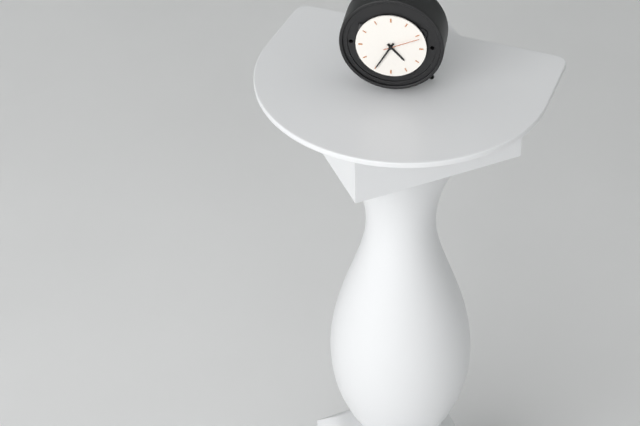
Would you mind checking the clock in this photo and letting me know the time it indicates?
4:35
